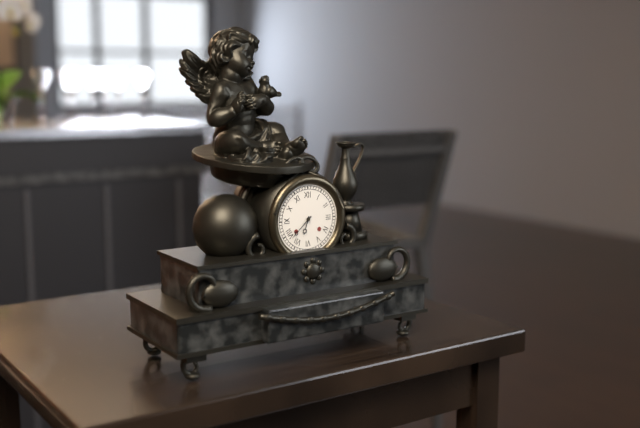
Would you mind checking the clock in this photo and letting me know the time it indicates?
6:38
